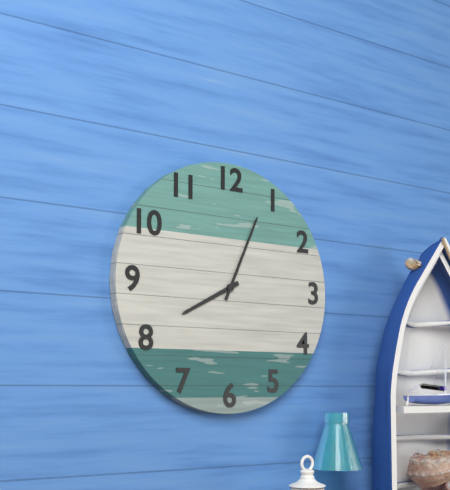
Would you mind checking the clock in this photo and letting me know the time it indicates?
8:04
